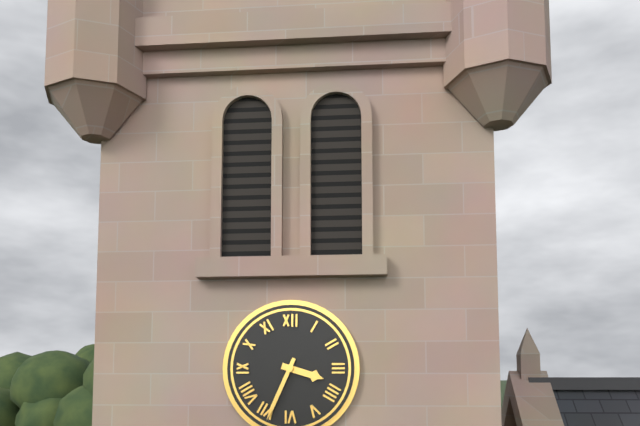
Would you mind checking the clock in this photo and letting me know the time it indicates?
3:34
